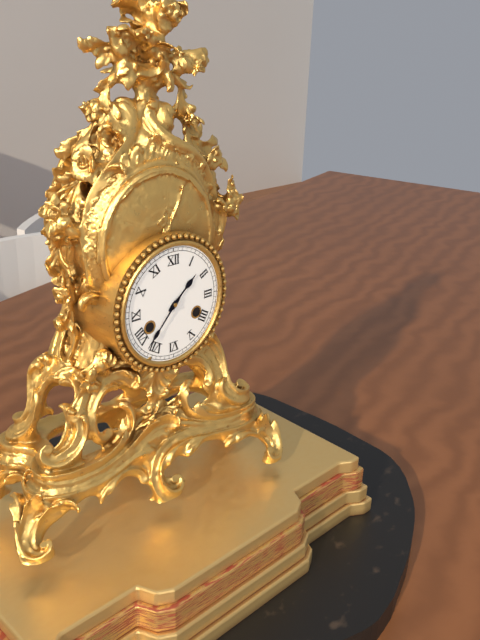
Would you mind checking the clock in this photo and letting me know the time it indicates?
1:37
